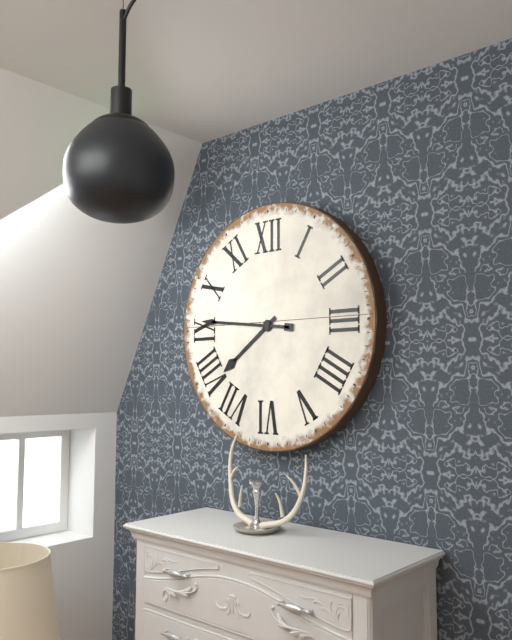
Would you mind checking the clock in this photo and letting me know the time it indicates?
7:46
